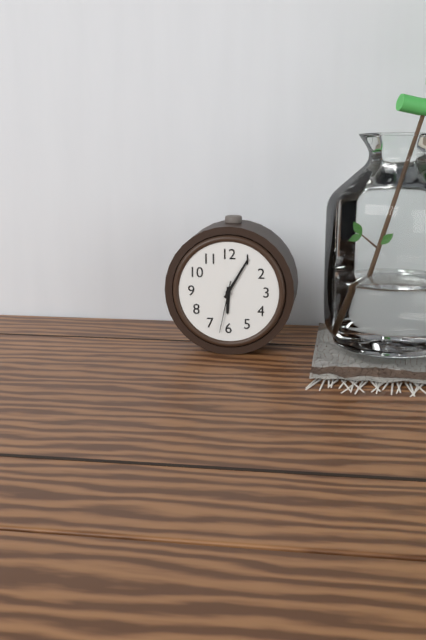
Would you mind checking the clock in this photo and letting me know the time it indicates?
6:05:32
